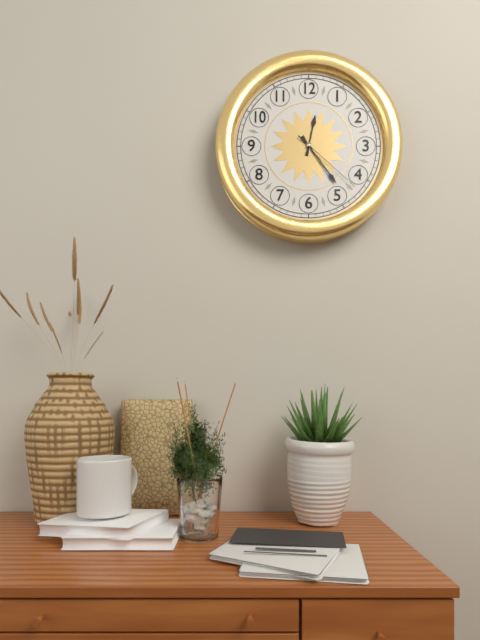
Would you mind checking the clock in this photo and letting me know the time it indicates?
12:24:22
